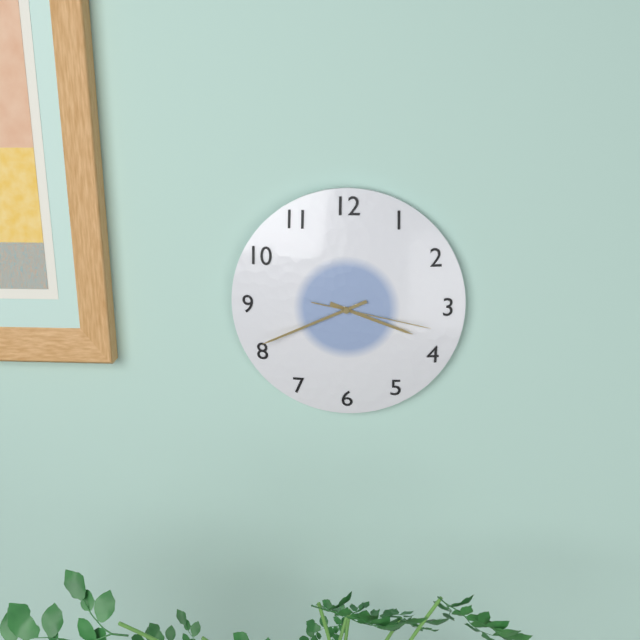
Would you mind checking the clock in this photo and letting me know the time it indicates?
3:41:17
